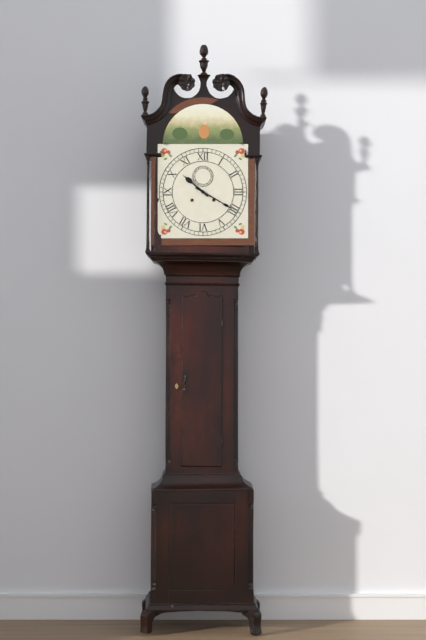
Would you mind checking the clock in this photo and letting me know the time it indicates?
10:20
